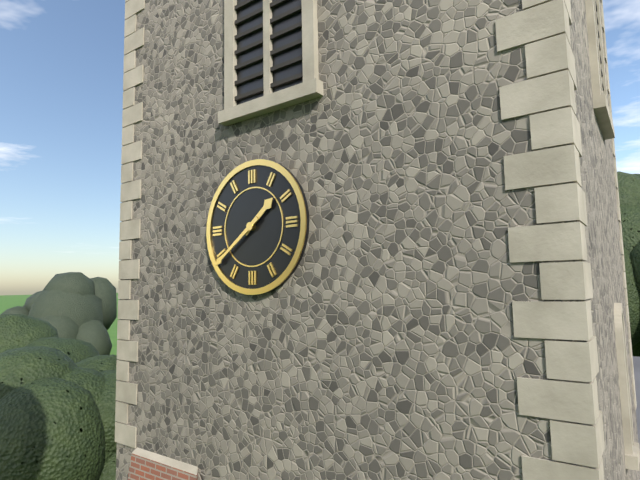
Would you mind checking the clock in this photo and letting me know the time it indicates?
1:39
